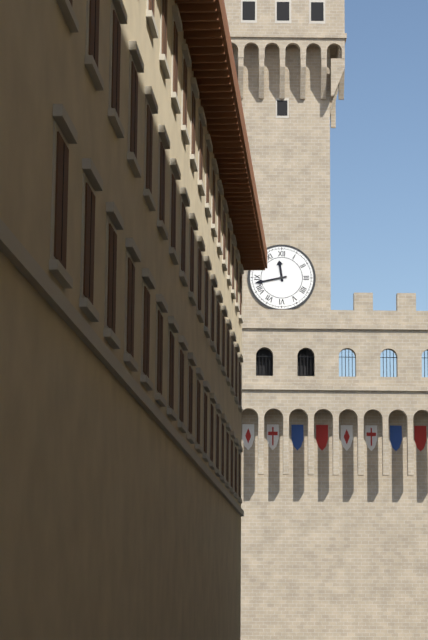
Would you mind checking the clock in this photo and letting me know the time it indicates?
11:43
